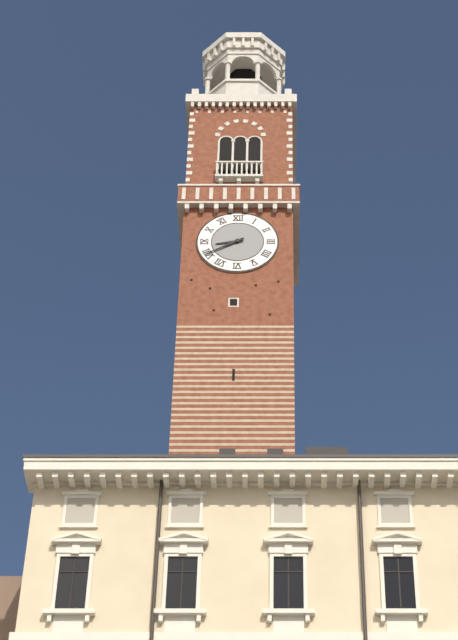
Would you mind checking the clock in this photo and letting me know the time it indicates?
8:40
